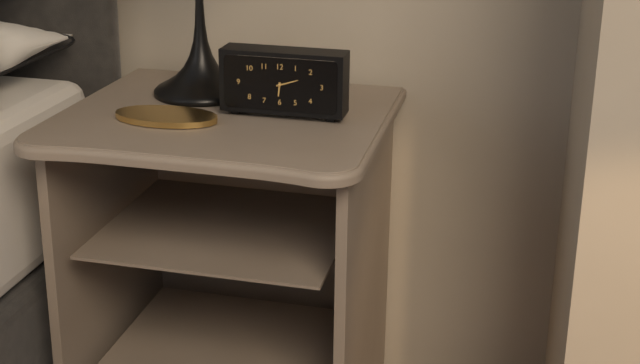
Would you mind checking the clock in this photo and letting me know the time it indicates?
6:12
